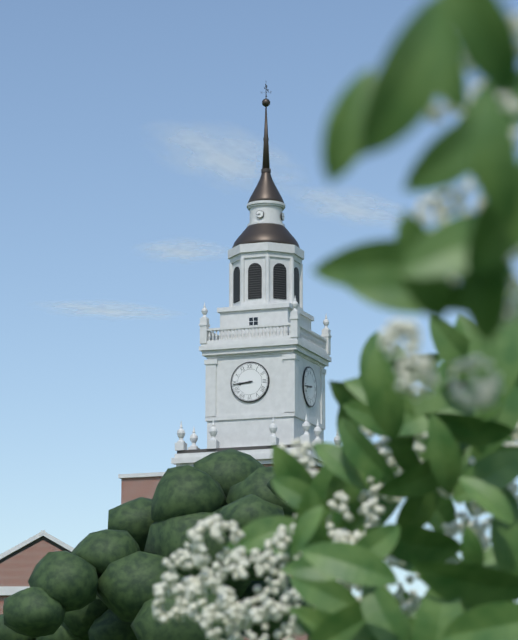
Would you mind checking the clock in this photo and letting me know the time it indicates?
8:44
